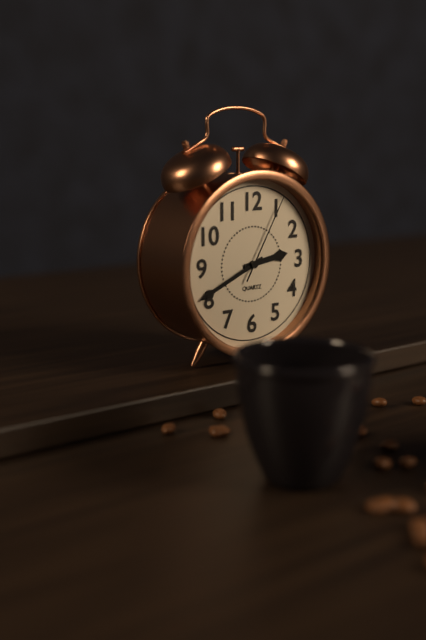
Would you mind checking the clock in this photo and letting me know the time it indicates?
2:41:05
